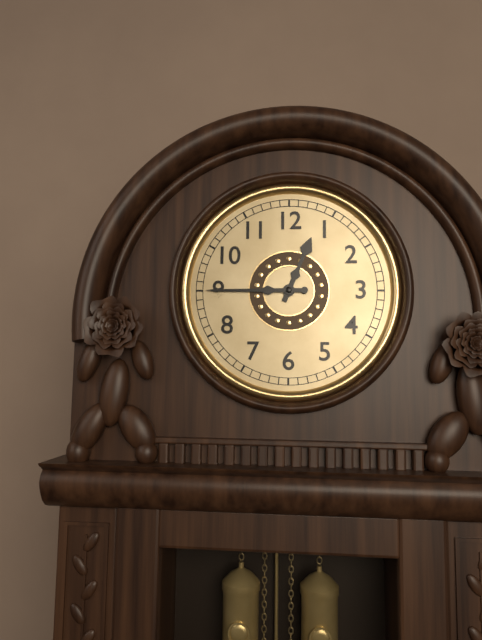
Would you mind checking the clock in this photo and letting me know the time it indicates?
12:45
